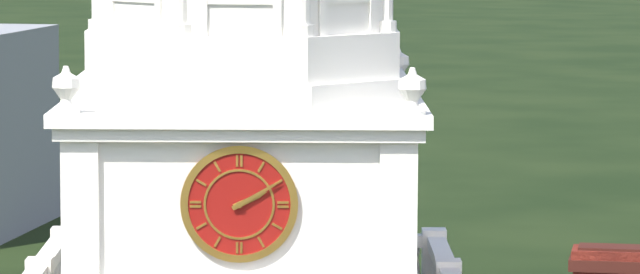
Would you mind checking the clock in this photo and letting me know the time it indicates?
2:10
